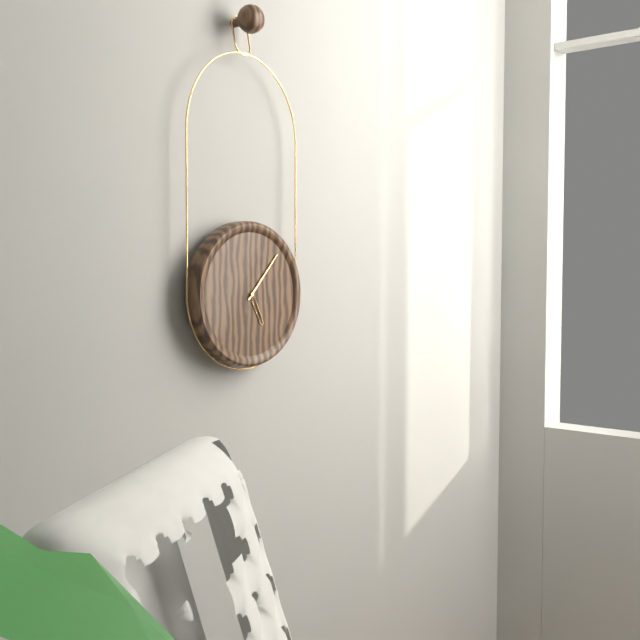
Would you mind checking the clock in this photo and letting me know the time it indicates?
5:07
